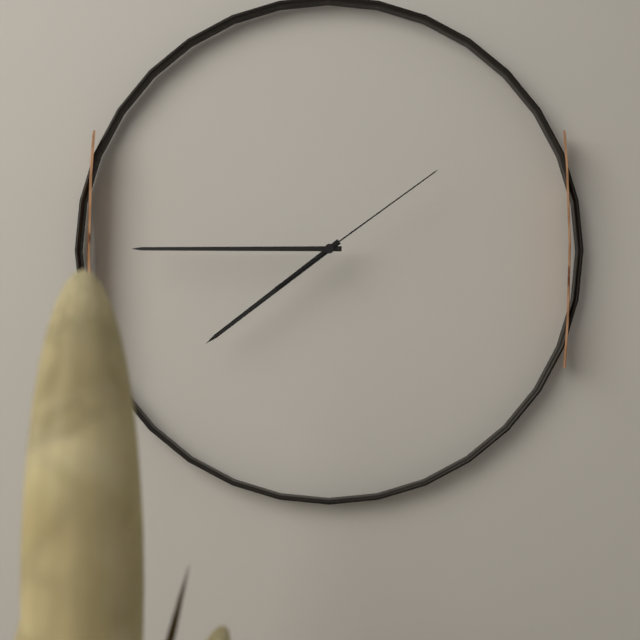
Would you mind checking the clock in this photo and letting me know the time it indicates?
7:45:09
